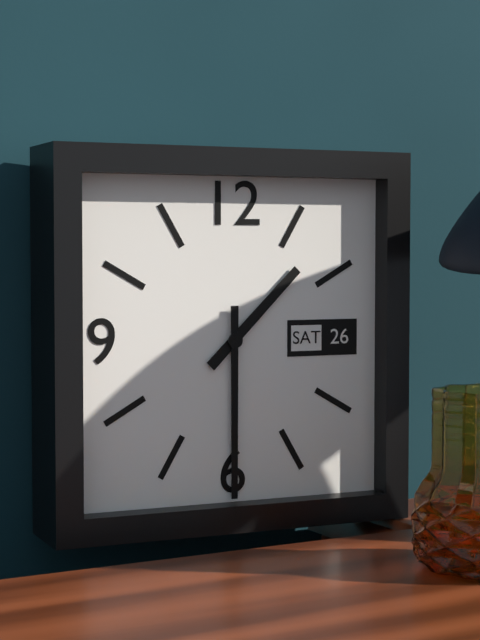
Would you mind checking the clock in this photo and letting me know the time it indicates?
1:30
